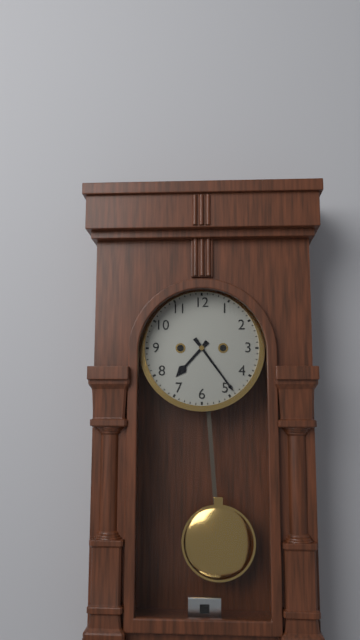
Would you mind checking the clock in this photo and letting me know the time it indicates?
7:24
